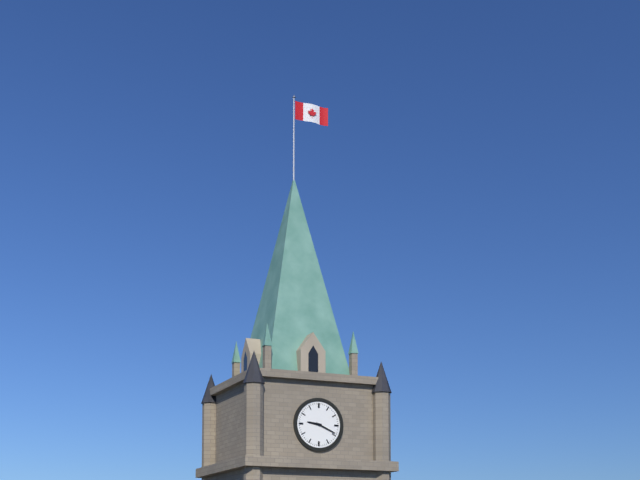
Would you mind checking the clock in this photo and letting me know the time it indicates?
9:19
